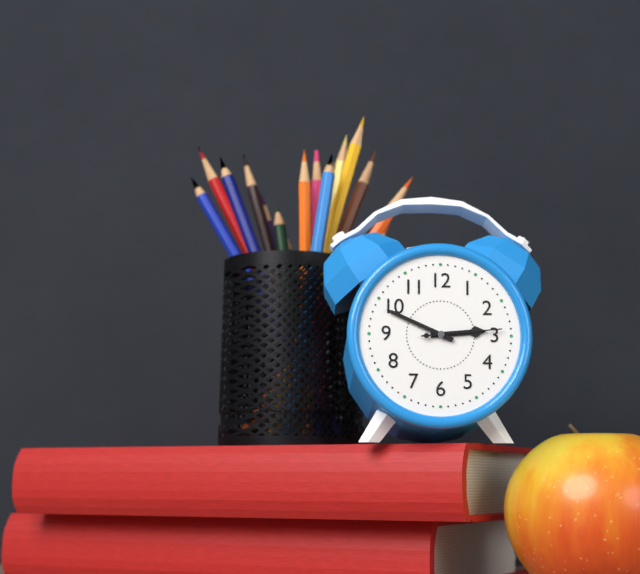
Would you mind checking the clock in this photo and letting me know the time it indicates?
2:49:14
